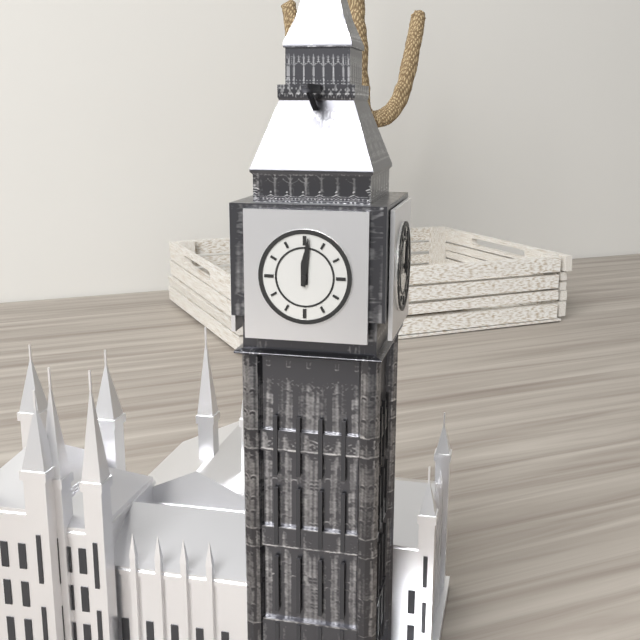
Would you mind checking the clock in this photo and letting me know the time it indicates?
12:01
